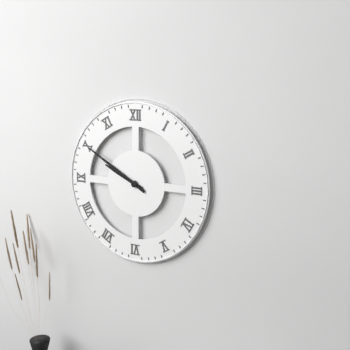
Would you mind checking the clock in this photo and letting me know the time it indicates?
9:50
